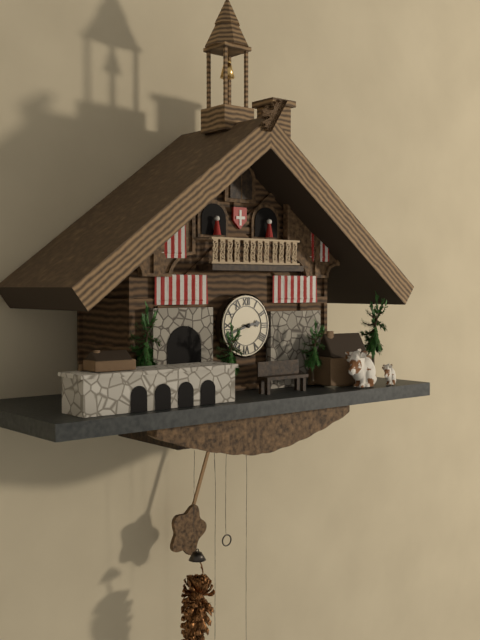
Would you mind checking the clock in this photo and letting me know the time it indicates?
2:42
